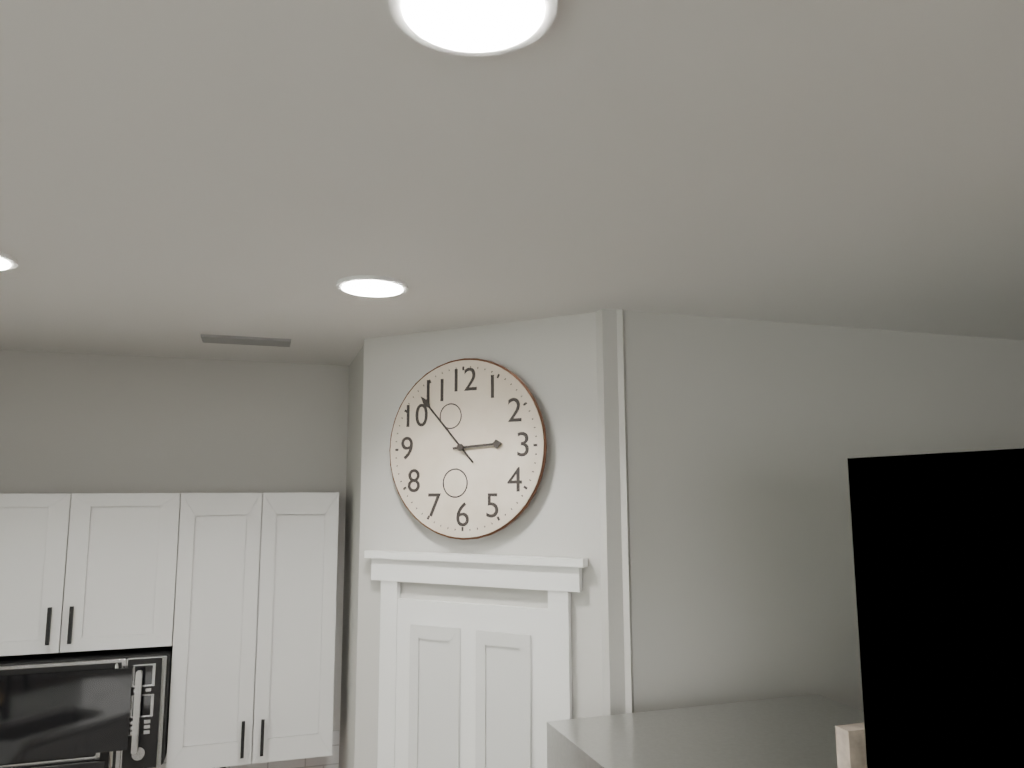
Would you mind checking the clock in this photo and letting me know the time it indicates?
2:53
